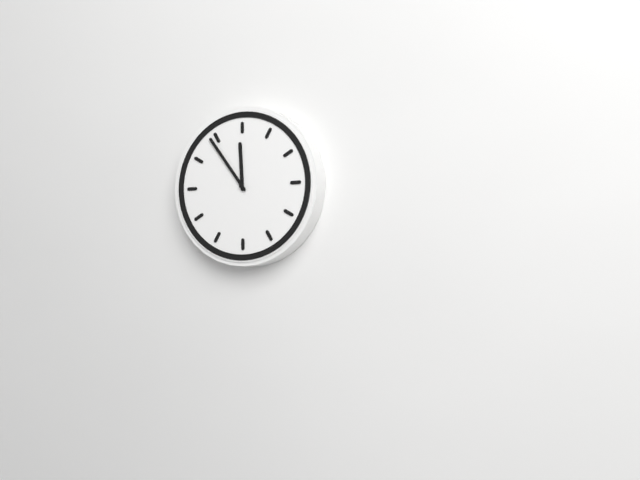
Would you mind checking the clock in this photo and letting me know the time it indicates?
11:54
